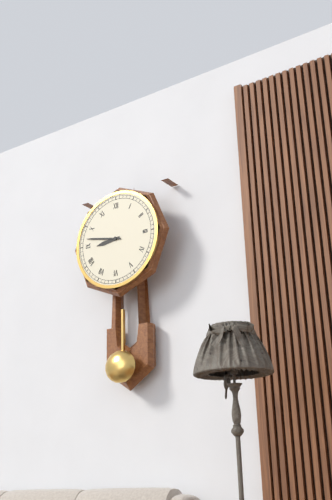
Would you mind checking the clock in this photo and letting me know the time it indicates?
8:47
